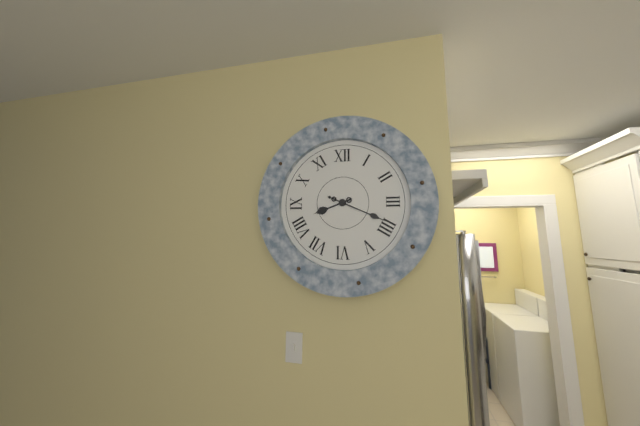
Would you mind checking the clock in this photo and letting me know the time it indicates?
8:19
